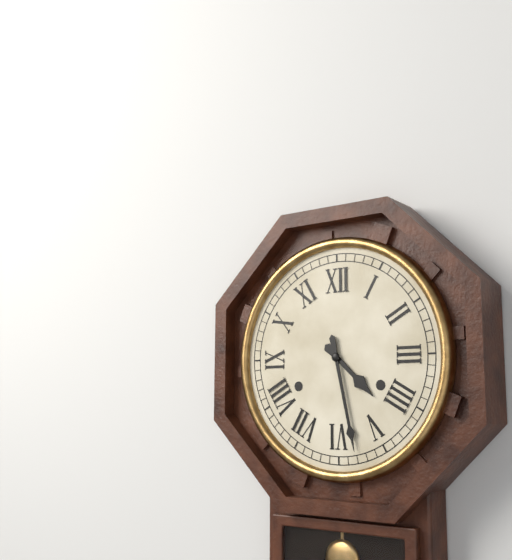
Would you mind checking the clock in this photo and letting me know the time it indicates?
4:28
